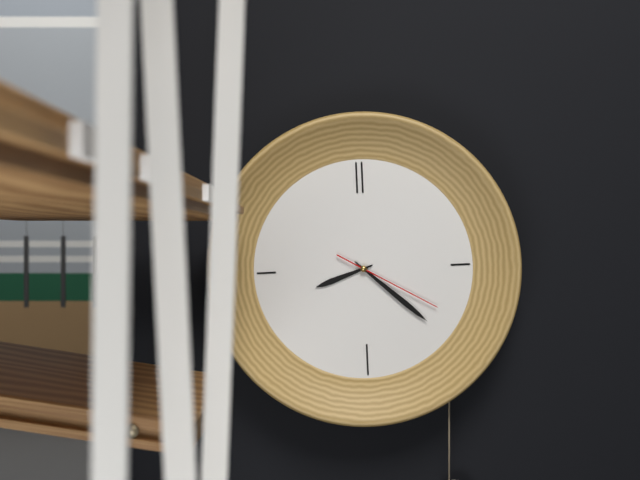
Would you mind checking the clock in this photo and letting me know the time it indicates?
8:22:20
